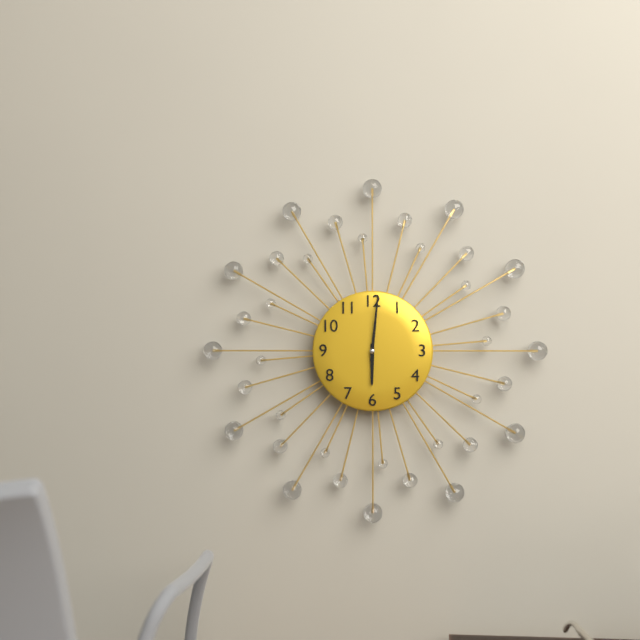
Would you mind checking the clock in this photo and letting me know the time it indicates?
6:01
